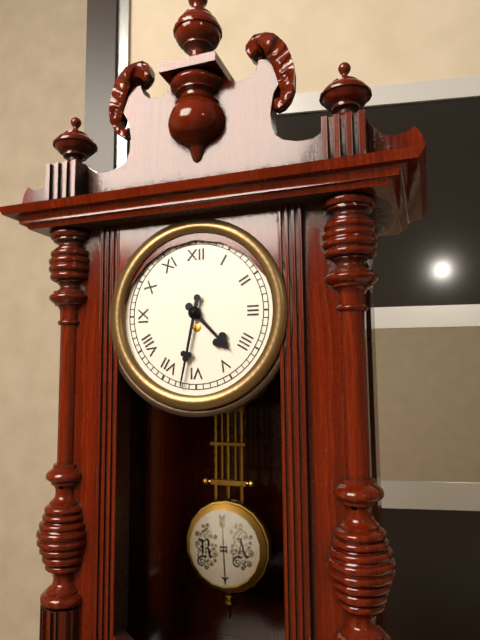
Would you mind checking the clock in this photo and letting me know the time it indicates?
4:32
